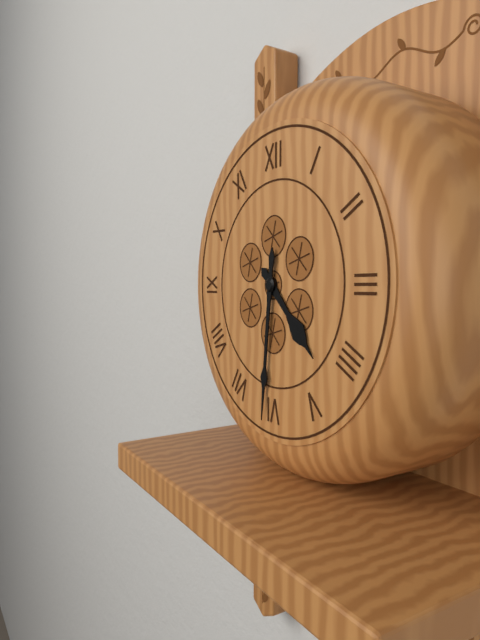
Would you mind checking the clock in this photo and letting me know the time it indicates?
4:31
